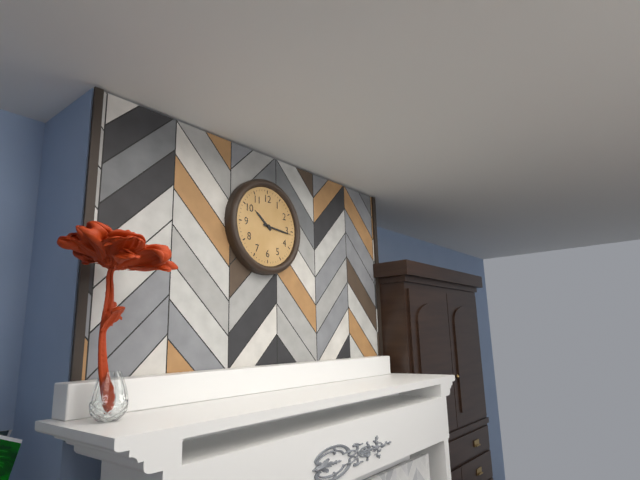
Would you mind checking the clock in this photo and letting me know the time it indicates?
10:16
